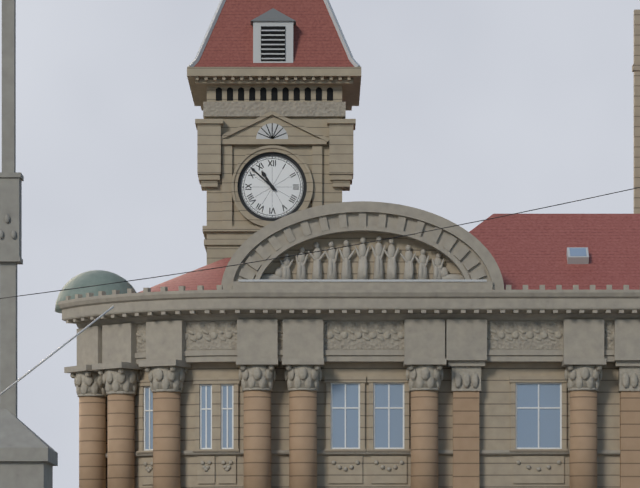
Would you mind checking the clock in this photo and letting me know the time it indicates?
10:52
